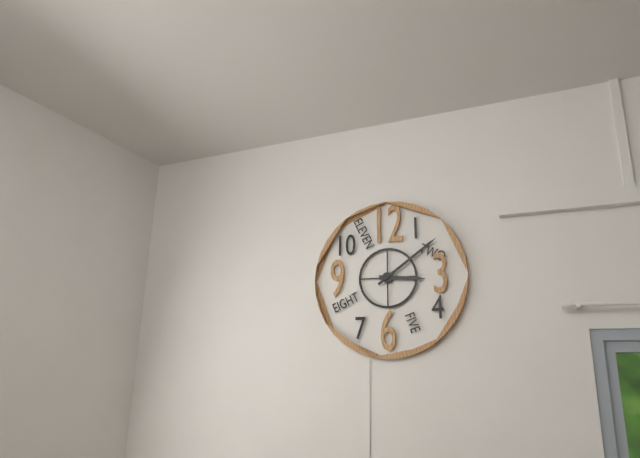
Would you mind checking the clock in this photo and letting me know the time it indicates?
3:09
